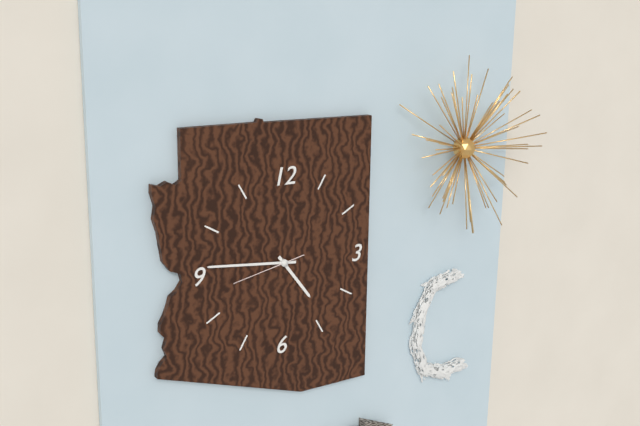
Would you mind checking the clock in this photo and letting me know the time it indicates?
4:46:43
